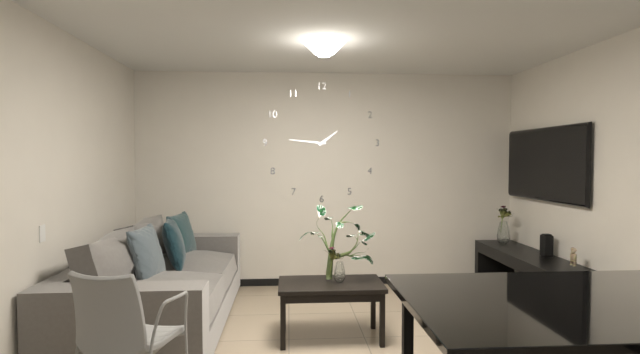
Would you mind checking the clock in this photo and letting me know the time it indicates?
1:46
